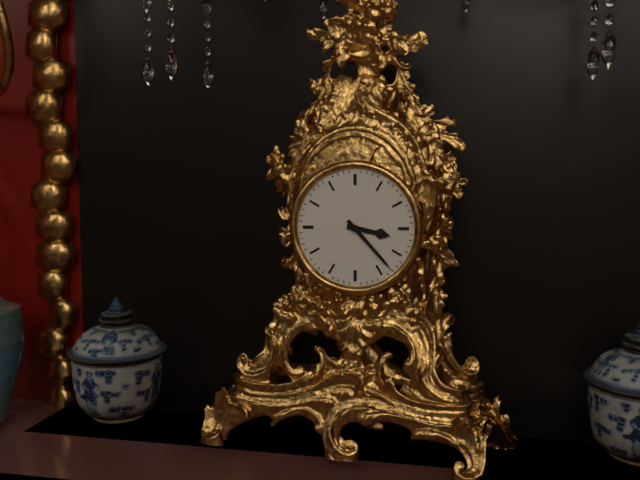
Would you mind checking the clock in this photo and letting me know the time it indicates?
3:23
